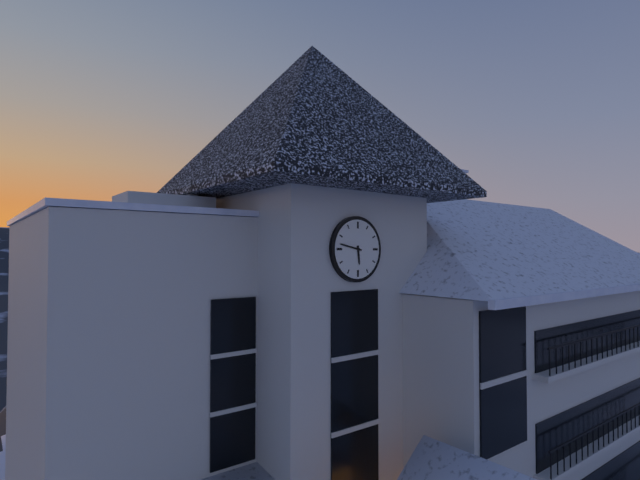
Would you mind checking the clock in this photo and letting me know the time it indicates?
5:47
